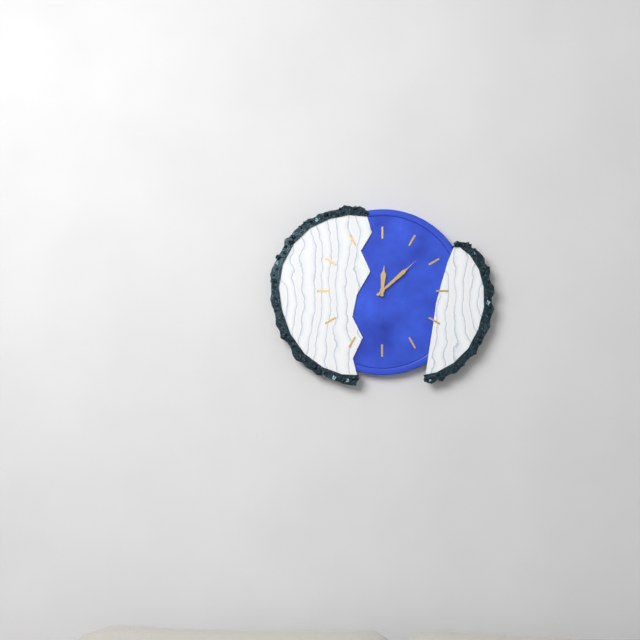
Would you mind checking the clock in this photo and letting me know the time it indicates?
12:08
